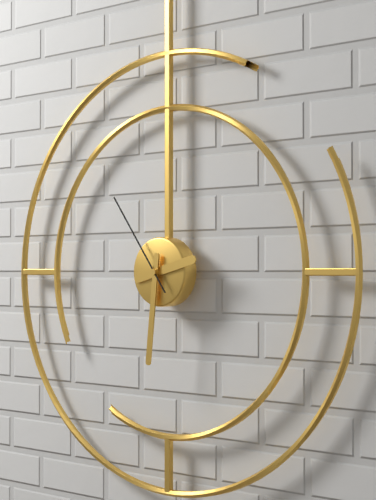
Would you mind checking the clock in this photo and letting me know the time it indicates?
2:31:54
